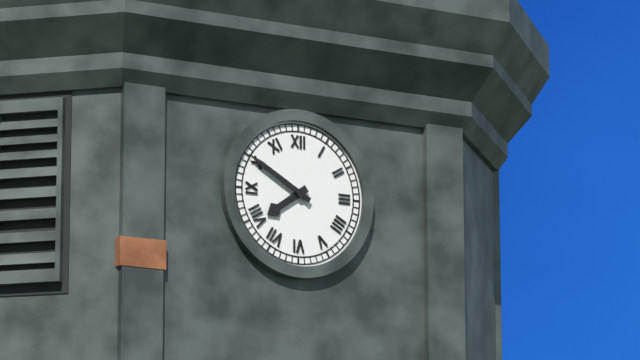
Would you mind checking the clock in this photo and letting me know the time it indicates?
7:50
